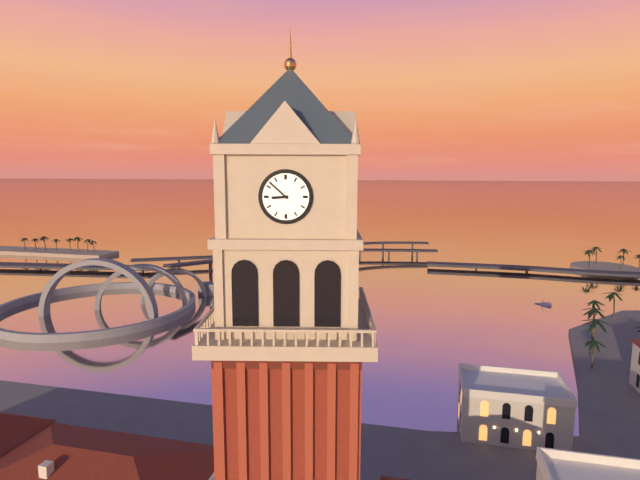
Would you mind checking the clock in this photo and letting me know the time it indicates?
8:52
